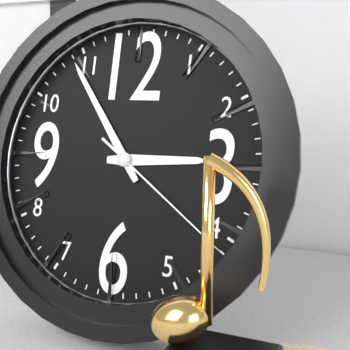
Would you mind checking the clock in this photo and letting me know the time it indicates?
2:54:21
